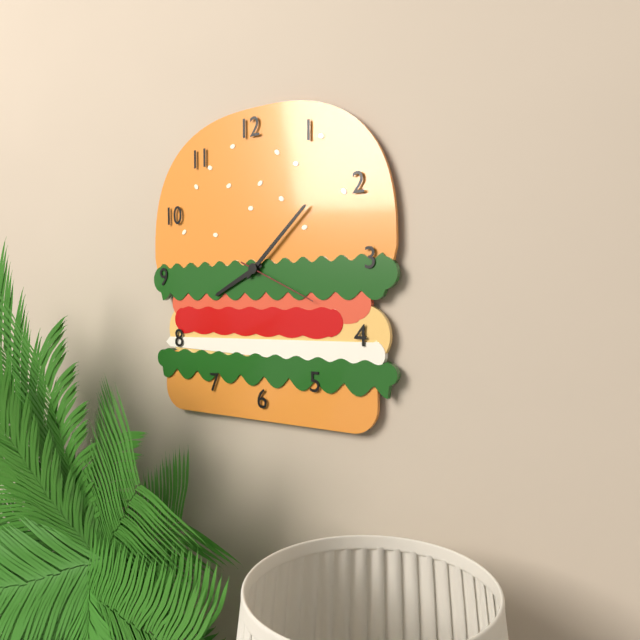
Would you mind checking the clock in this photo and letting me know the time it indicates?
8:08:19
